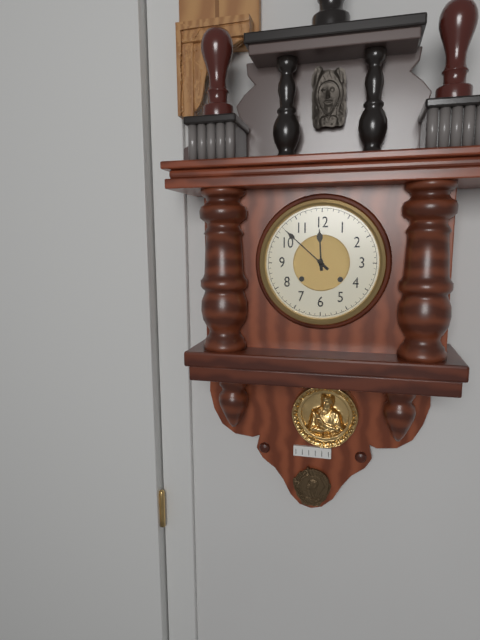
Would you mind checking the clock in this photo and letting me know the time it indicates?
11:52
